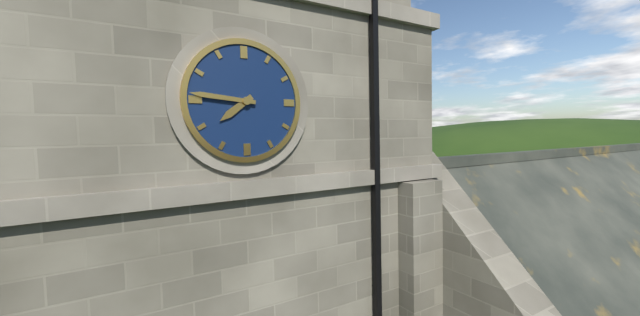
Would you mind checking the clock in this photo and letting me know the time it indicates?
7:46
